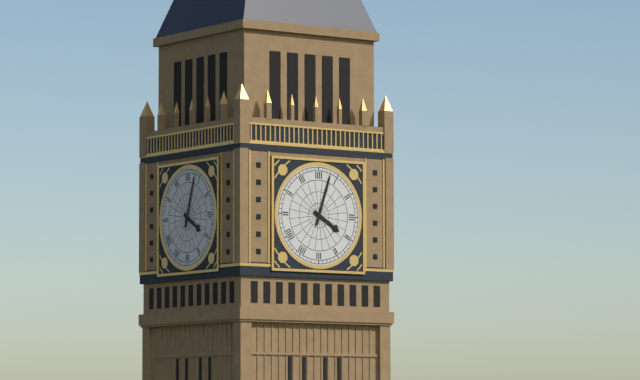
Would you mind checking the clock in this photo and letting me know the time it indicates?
4:03
